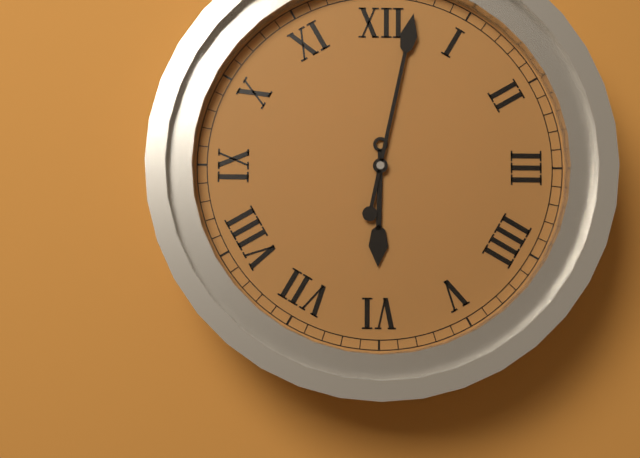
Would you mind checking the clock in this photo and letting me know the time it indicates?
6:02
